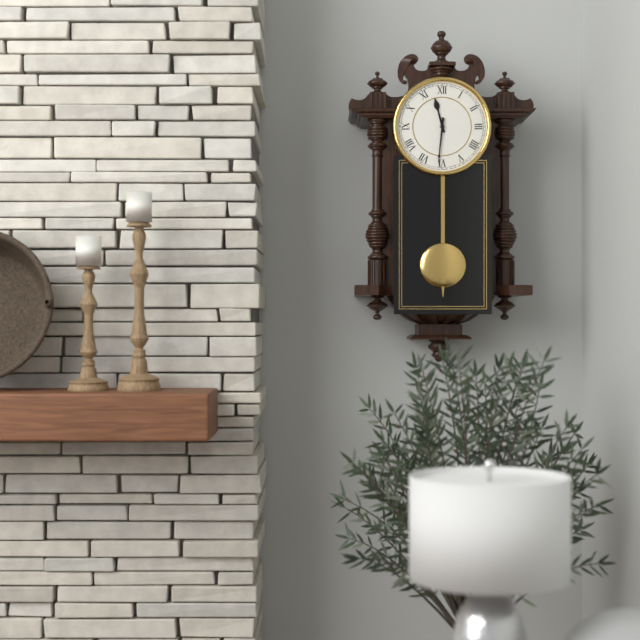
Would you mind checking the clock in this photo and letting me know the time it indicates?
11:31
